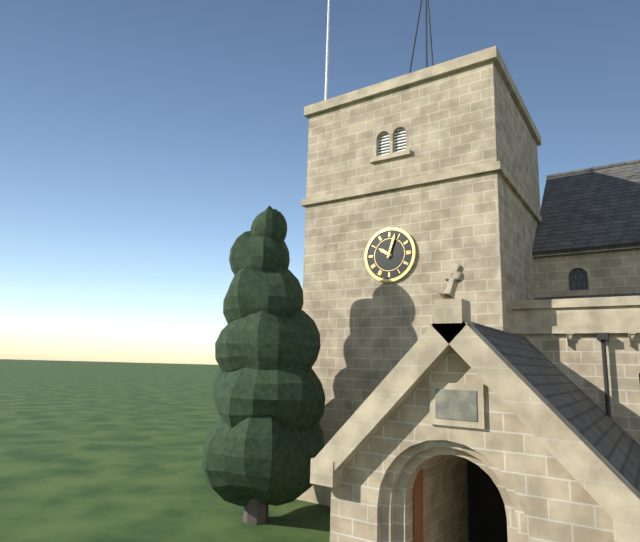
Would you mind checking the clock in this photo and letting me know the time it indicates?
10:03
